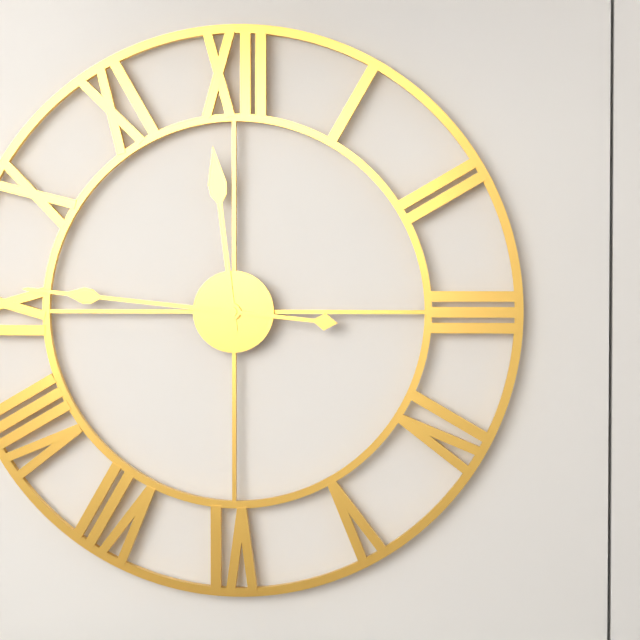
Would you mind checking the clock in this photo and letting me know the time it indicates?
11:46
